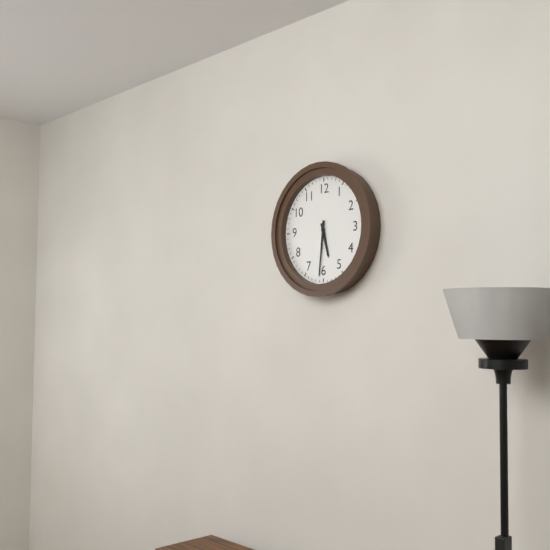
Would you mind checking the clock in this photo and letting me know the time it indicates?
5:31
